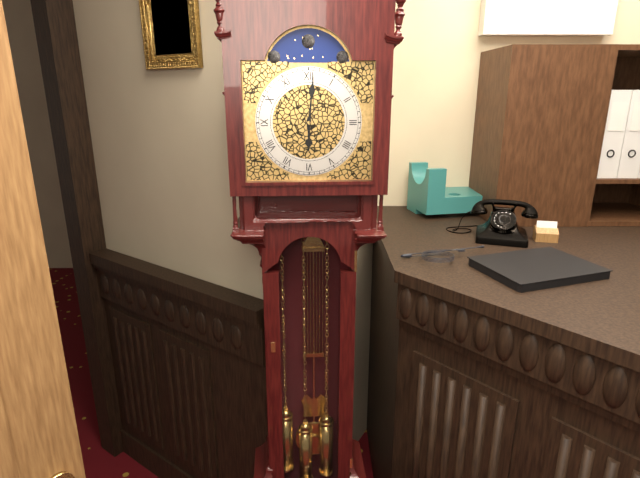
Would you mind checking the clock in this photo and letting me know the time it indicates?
6:01
